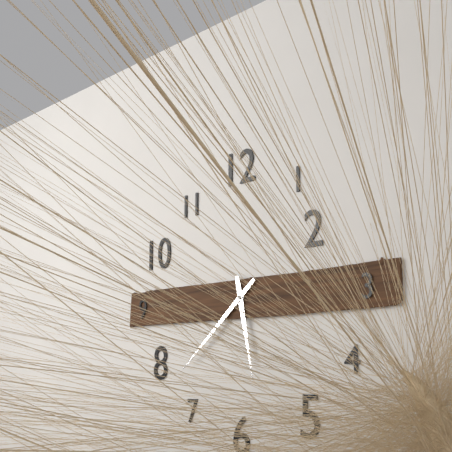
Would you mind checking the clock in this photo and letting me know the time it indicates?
5:38
